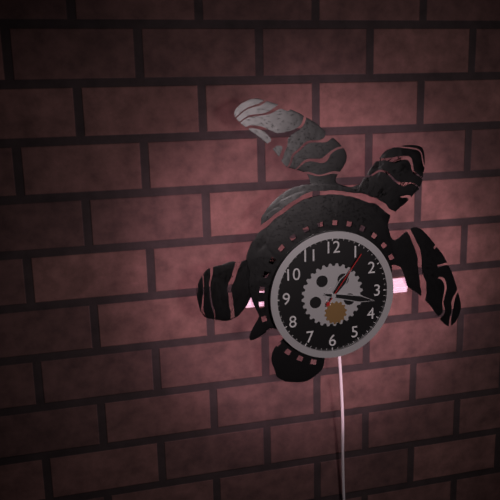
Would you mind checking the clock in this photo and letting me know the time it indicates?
1:17:06
